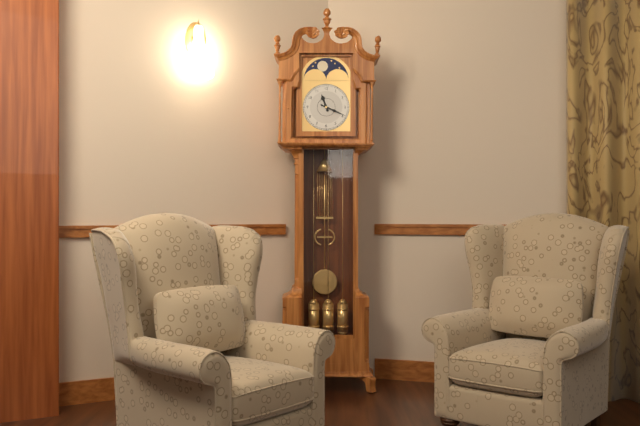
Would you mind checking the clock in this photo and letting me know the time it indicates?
11:19
